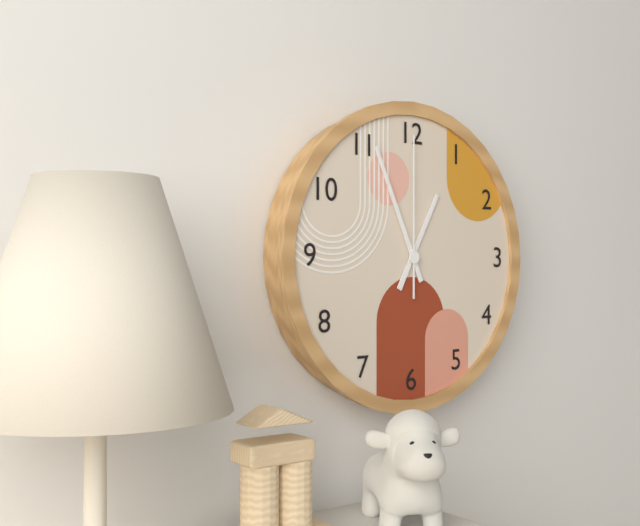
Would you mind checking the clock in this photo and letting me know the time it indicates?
12:56:00
